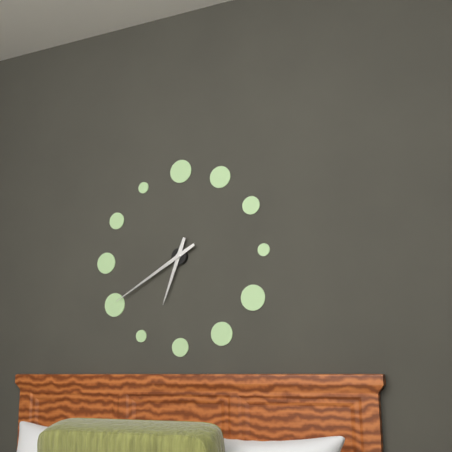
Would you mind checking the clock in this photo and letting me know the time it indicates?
6:40
